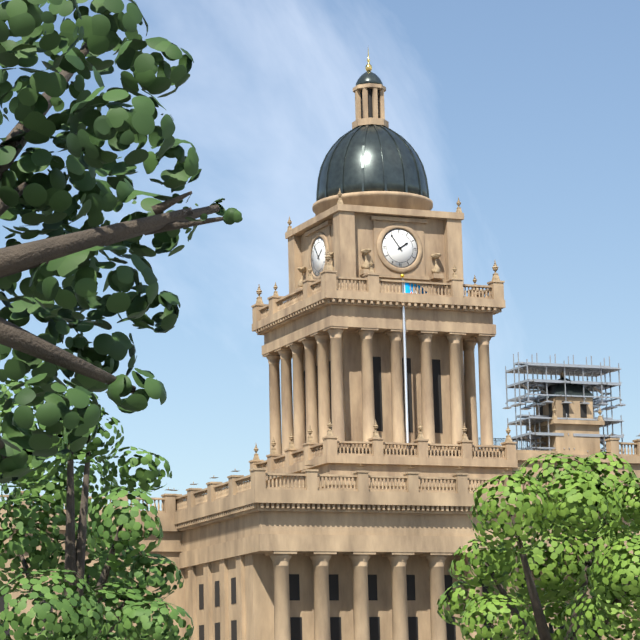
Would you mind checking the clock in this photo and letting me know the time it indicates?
1:54
